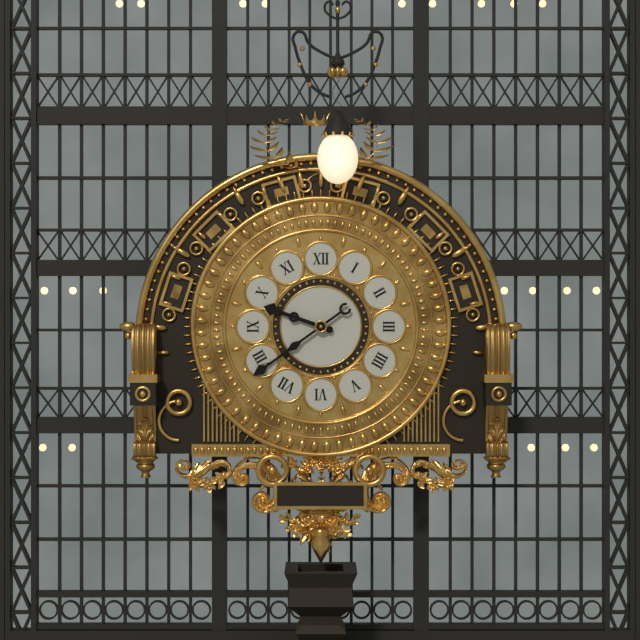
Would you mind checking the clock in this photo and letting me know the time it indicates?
9:39
